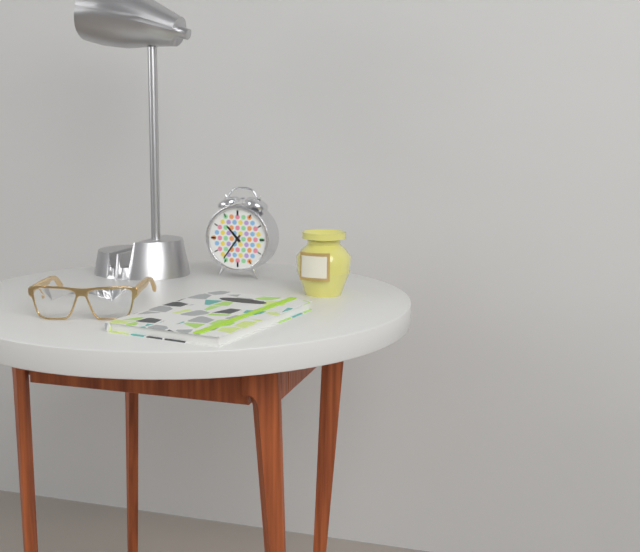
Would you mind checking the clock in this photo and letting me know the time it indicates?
10:36
